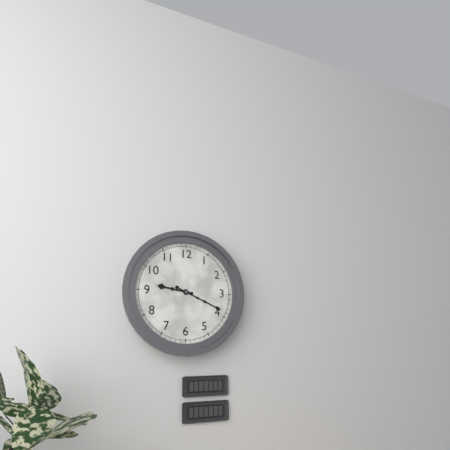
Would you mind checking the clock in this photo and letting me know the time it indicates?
9:19
